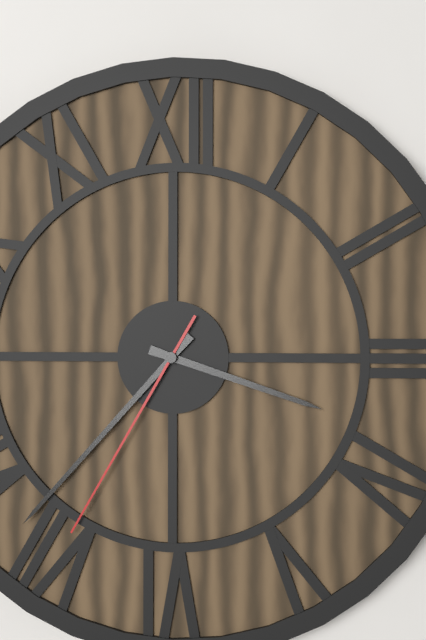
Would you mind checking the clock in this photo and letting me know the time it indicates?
3:37:35
